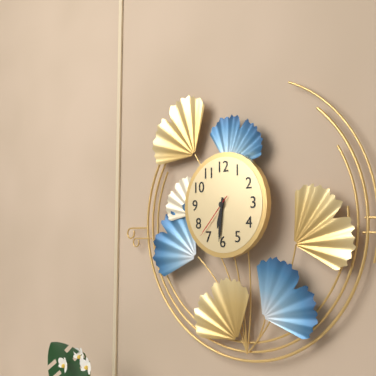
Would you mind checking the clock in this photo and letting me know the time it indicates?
6:31
